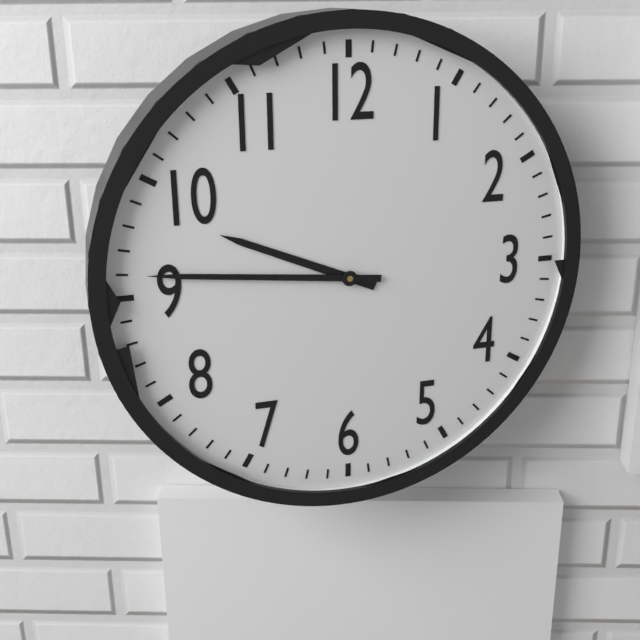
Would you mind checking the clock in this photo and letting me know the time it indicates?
9:46
